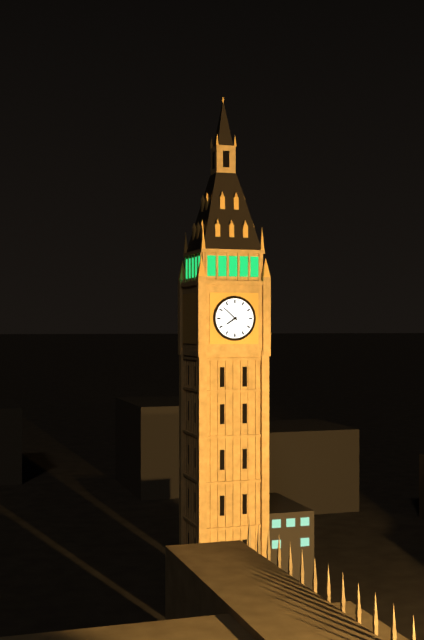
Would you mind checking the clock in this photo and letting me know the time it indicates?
7:52
